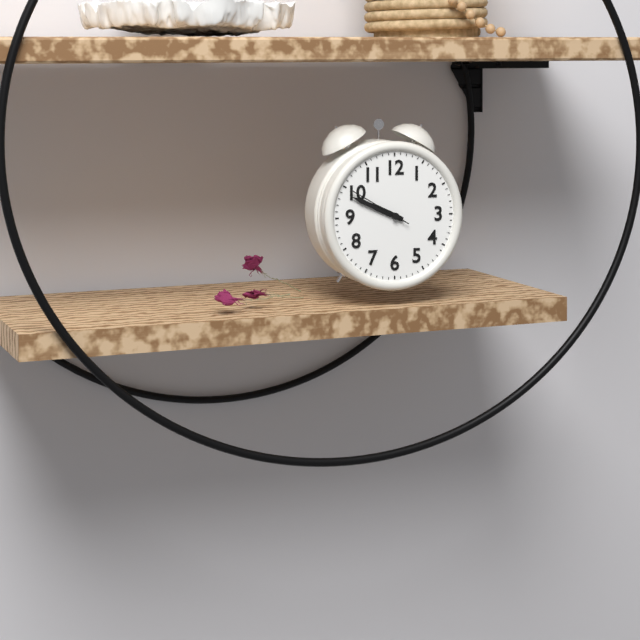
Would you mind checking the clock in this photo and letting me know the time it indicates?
9:49
